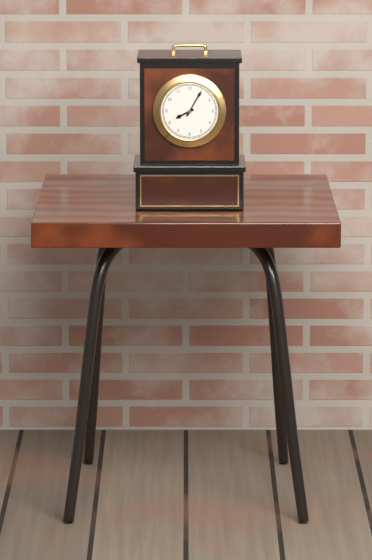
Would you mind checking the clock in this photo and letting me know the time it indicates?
8:05
